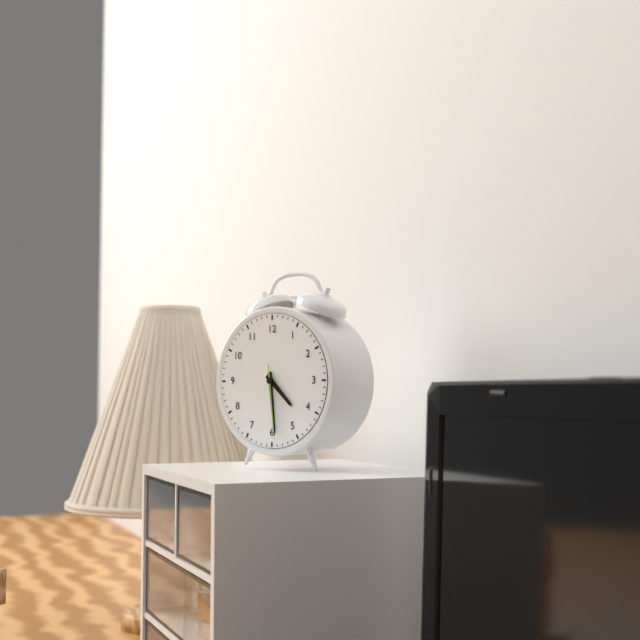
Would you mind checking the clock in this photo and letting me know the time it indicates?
4:29:29
